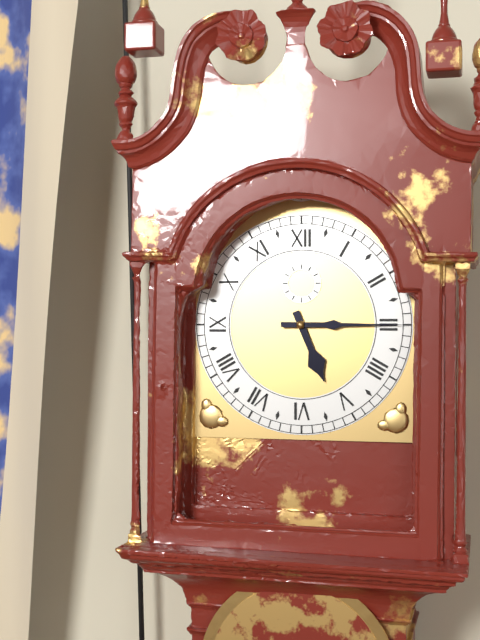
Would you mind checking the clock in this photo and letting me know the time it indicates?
5:15
